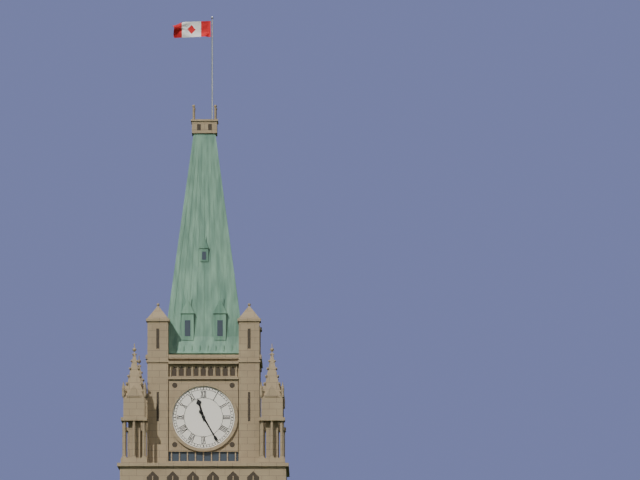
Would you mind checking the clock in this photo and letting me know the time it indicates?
11:25
